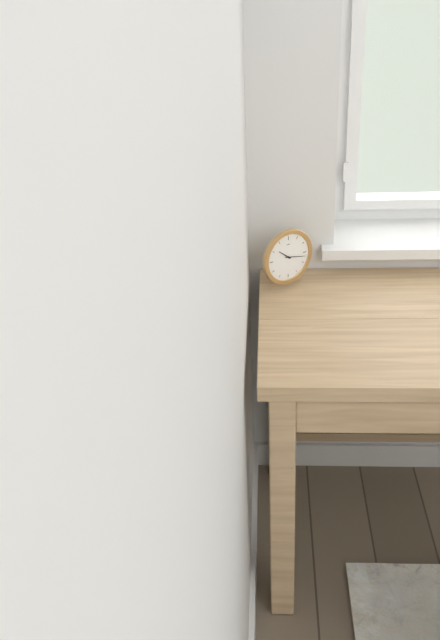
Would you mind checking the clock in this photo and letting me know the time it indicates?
10:17
